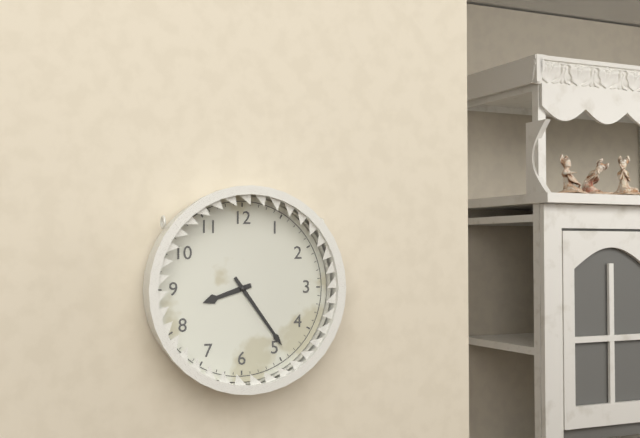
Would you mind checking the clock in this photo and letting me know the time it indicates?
8:24
